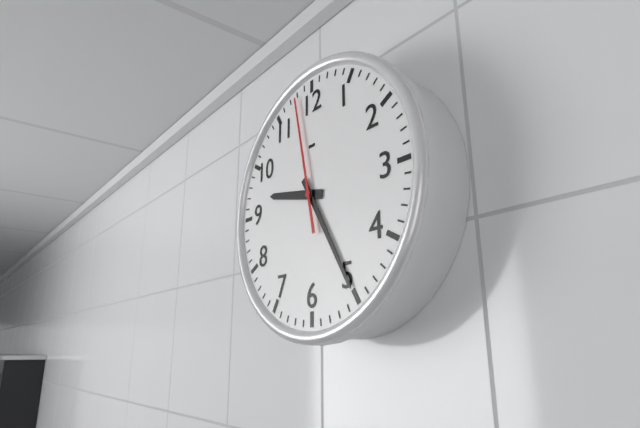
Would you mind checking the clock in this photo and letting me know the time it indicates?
9:25:58
